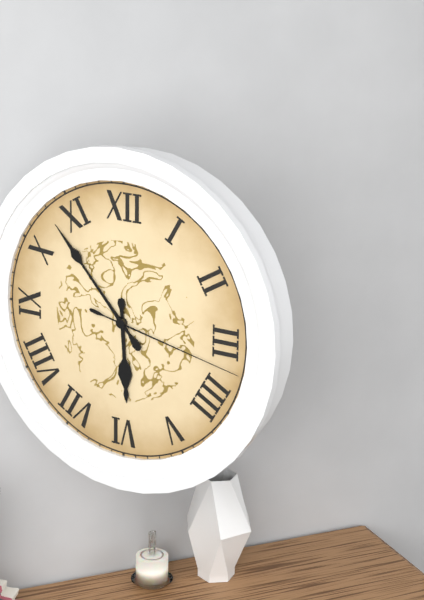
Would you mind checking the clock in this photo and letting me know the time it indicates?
5:53:17
